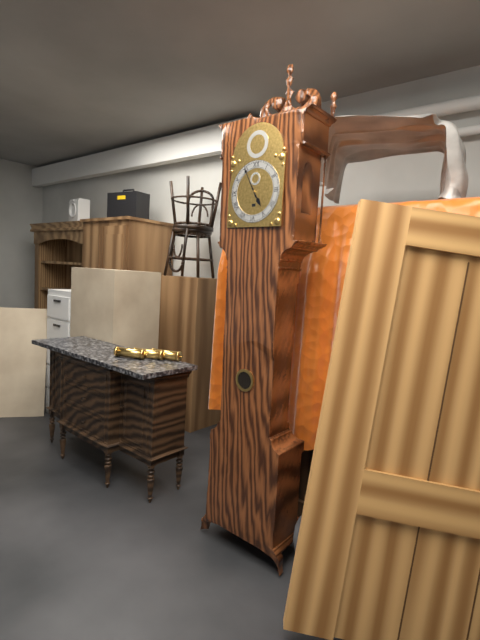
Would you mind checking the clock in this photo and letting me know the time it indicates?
4:55
